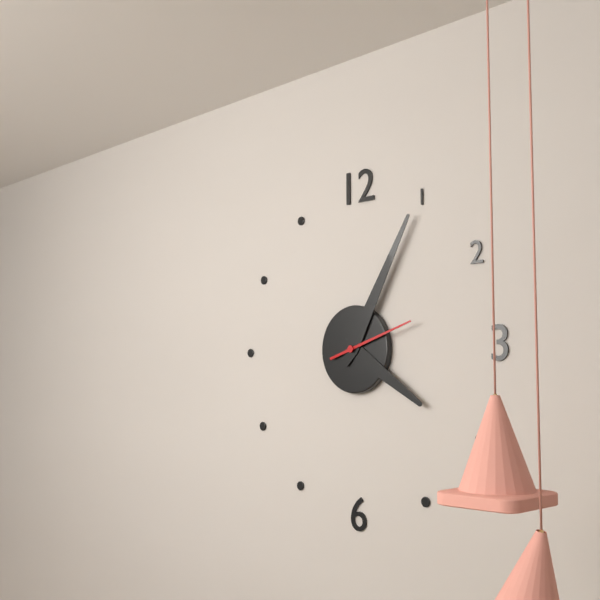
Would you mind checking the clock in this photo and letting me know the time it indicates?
4:05:12
